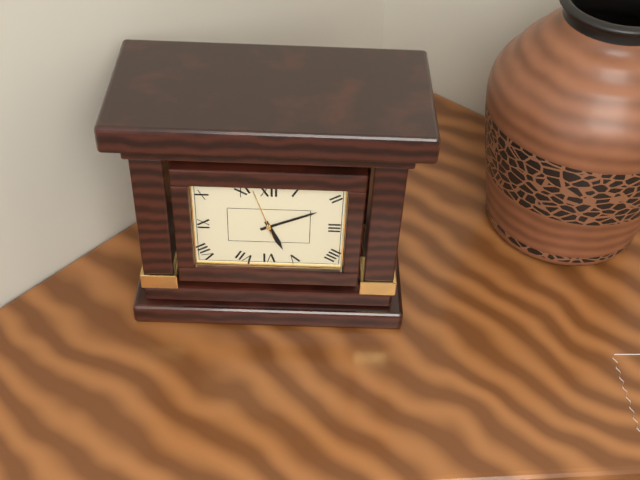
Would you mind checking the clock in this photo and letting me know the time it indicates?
5:11
